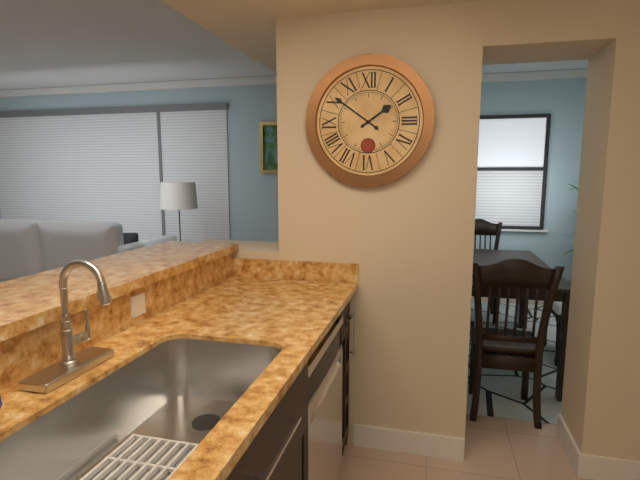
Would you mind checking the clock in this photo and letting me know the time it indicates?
1:51
